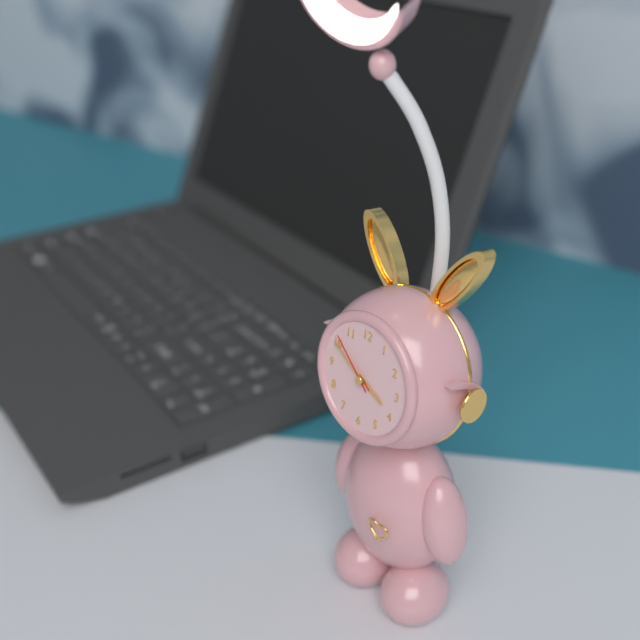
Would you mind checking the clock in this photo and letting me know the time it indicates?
3:50:52
